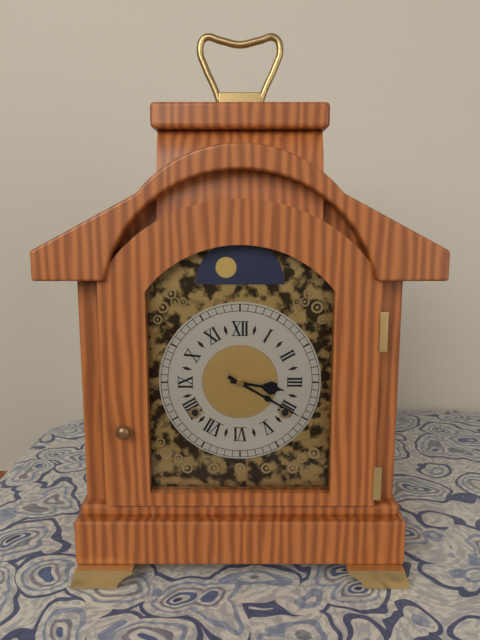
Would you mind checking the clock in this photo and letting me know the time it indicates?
3:20
